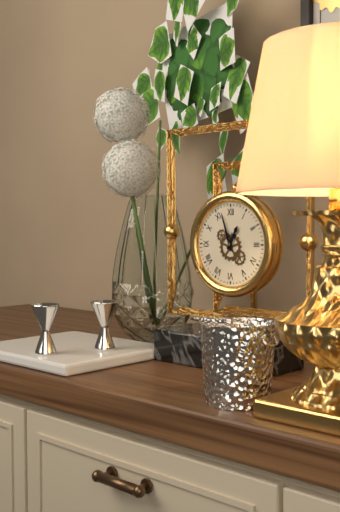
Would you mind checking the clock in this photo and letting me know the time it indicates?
12:57
